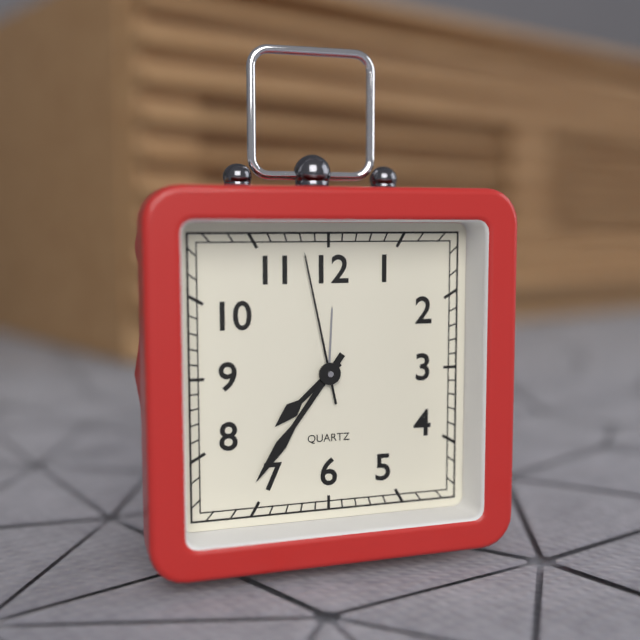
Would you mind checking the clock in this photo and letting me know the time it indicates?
7:36:58
